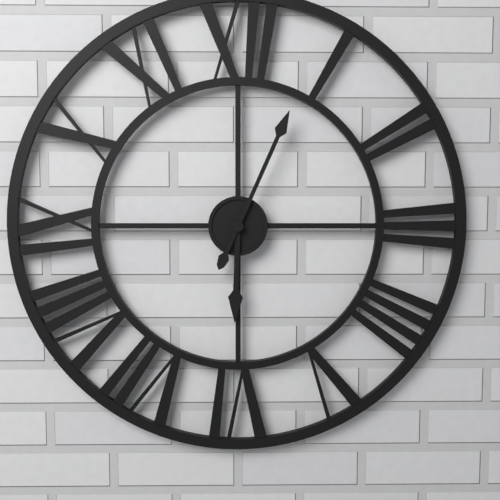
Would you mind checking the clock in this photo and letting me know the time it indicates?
6:04
